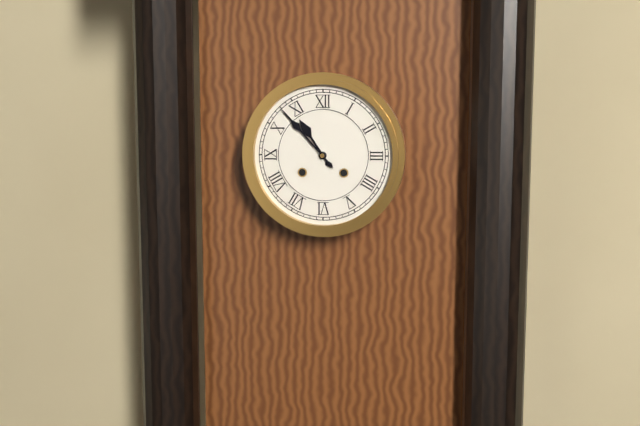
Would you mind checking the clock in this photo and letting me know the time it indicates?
10:53
